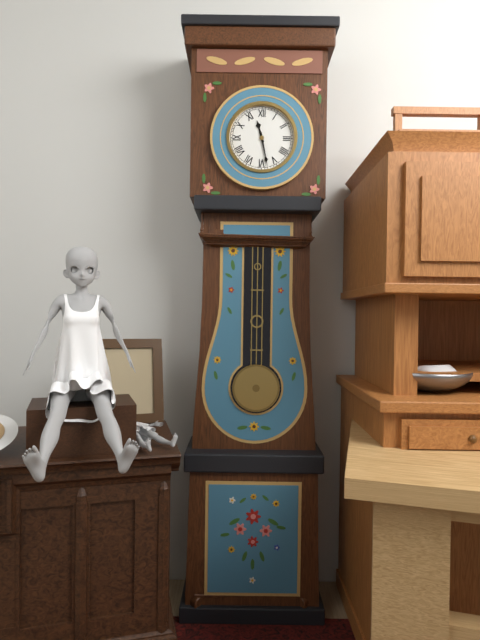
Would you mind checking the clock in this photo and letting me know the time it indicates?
11:28
